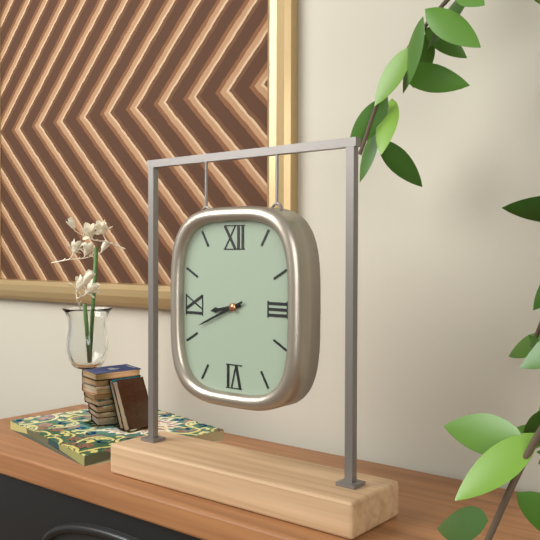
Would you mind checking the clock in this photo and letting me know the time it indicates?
8:41
